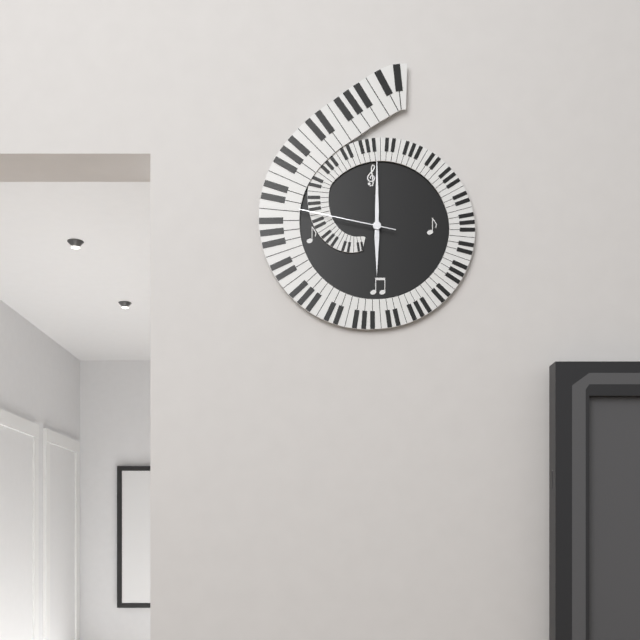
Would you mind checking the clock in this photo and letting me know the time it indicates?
6:00:47
